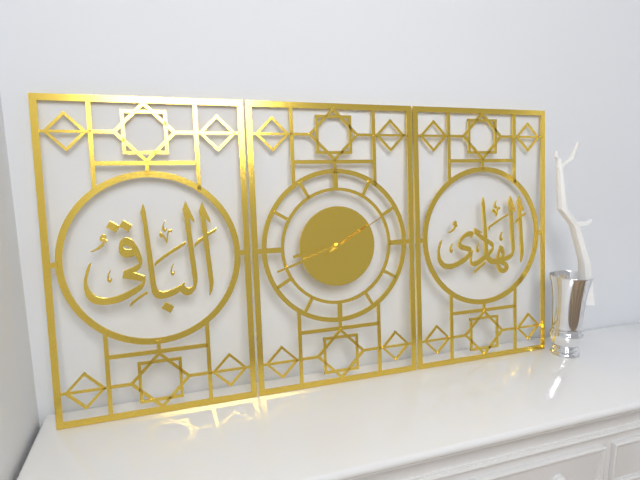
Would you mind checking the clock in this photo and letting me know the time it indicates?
8:42:10
